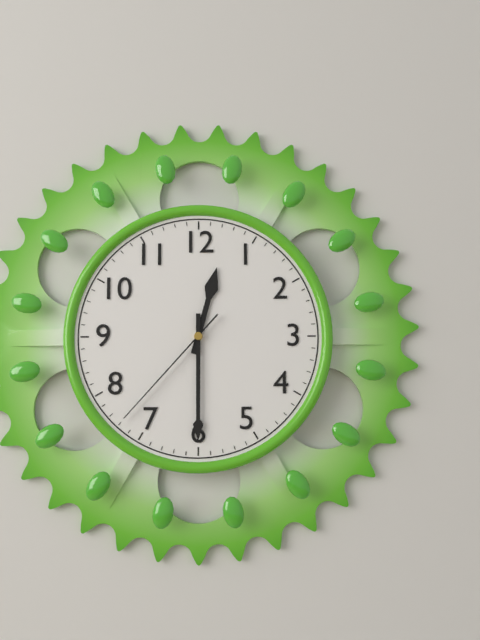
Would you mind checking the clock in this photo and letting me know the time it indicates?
12:30:37
